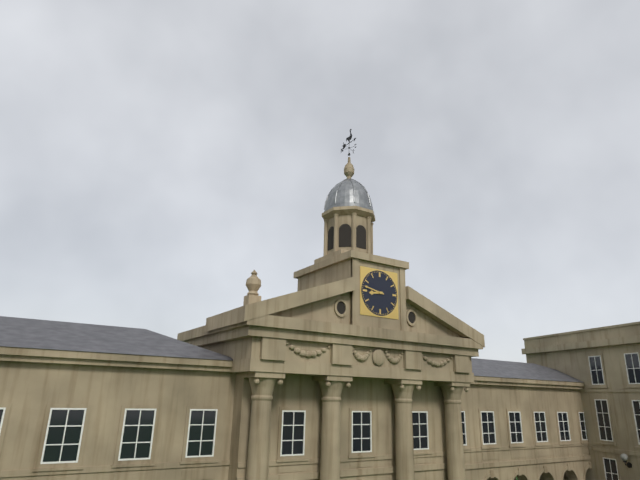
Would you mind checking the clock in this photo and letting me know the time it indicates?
8:47
